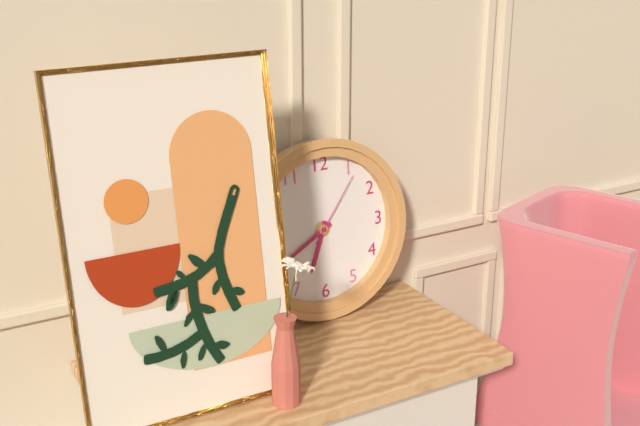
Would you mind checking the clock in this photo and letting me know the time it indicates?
6:40:06
